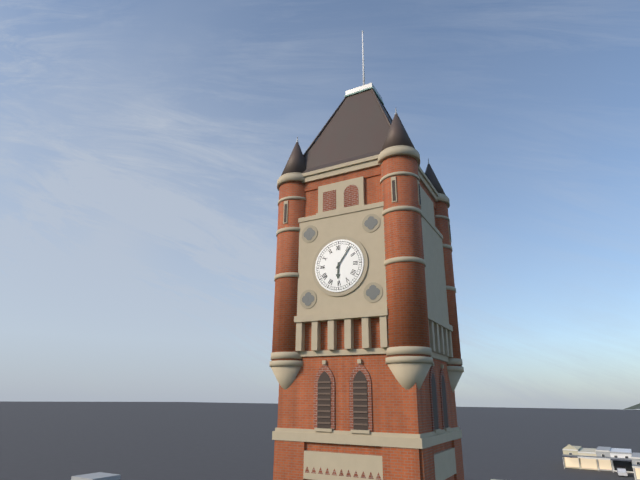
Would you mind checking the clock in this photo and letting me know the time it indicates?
6:06
